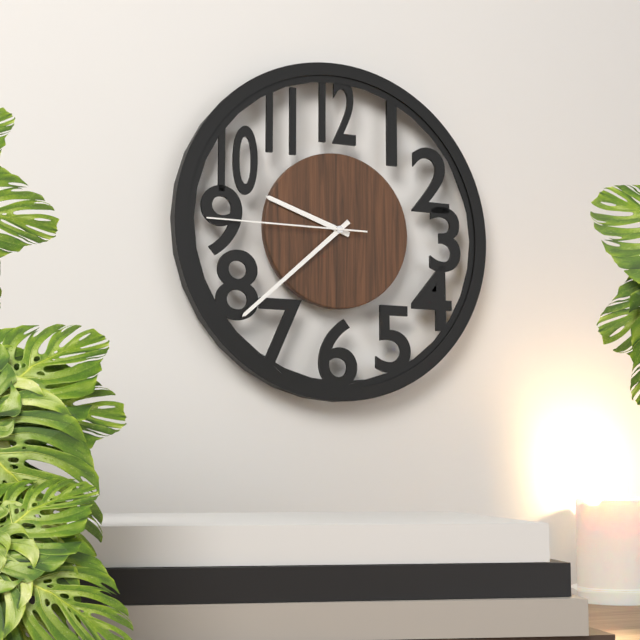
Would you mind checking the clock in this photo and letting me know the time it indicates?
9:38:45
